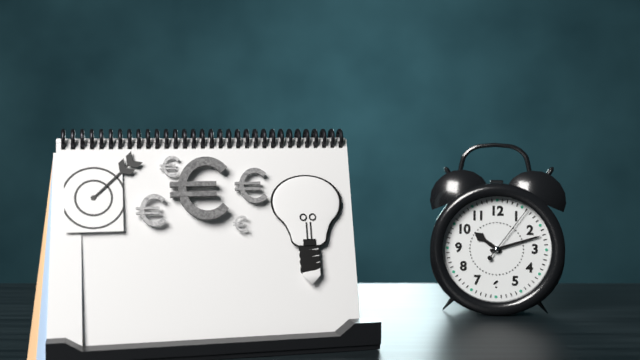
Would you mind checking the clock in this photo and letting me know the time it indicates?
10:12:06
